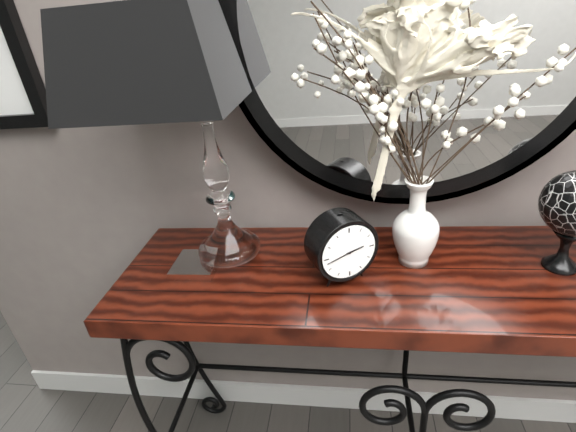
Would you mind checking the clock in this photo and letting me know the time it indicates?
2:43
